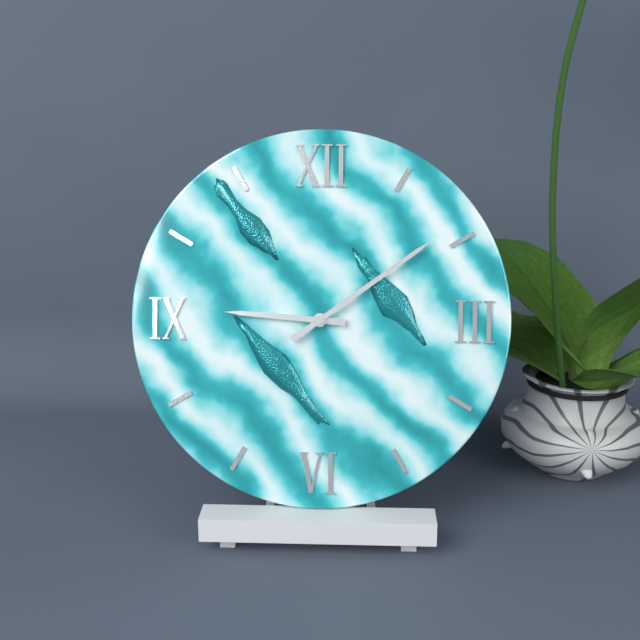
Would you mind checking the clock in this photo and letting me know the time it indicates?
9:09
